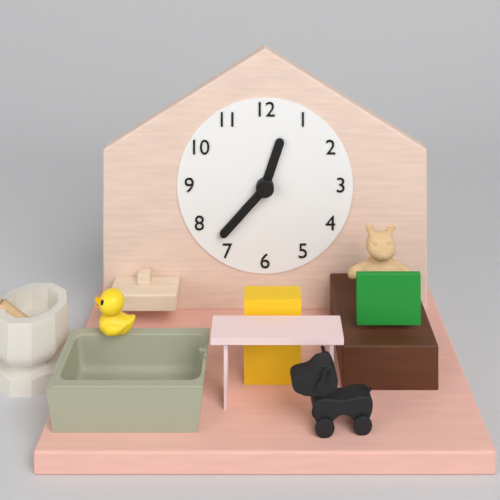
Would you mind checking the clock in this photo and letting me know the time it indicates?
12:37
